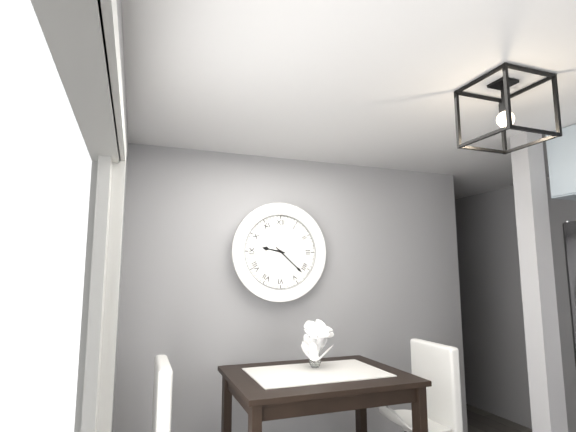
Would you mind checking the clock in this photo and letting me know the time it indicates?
9:22
